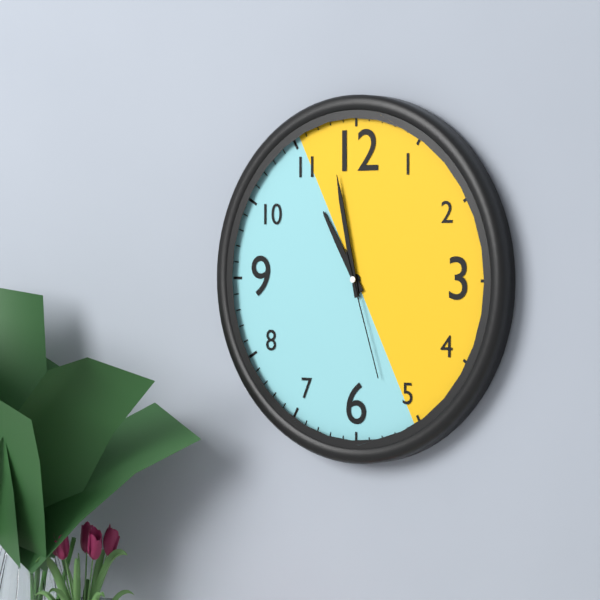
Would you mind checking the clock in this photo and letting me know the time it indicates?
10:58:27
